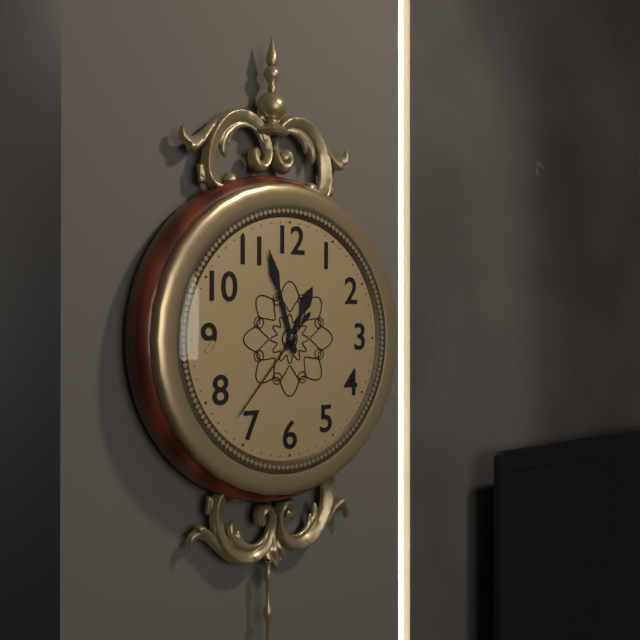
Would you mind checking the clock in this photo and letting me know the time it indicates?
12:57:37
